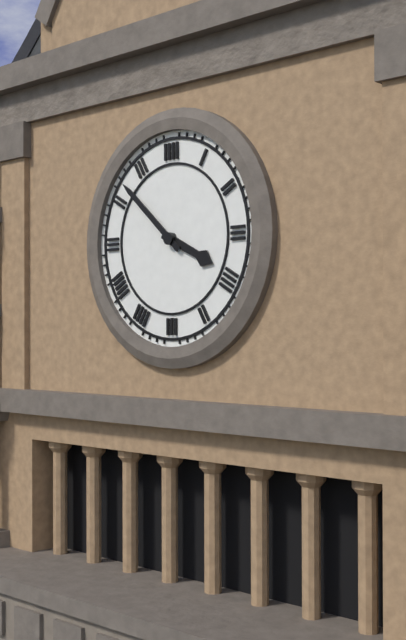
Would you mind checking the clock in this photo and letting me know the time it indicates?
3:52
